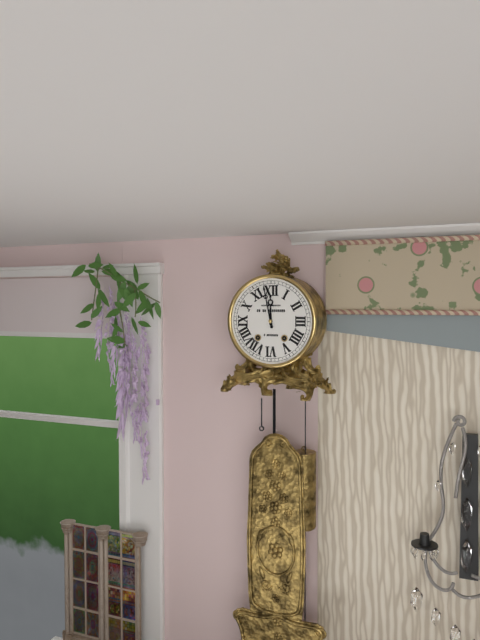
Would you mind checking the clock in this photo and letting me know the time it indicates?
11:58
